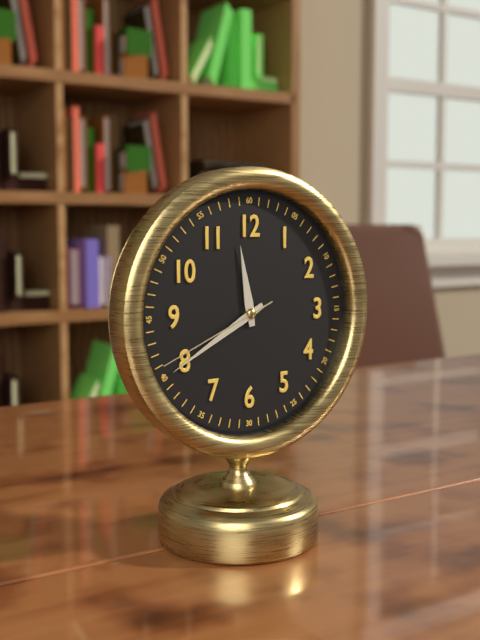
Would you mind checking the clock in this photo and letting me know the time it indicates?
11:40:41
